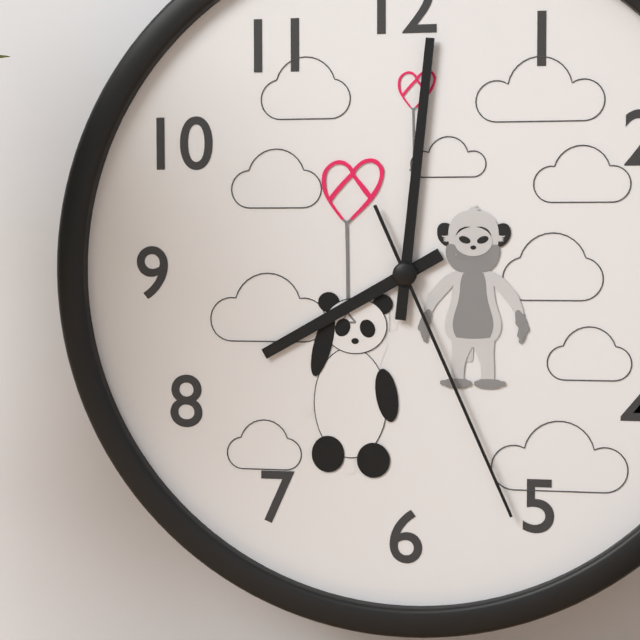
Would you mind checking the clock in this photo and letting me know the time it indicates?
8:01:26
